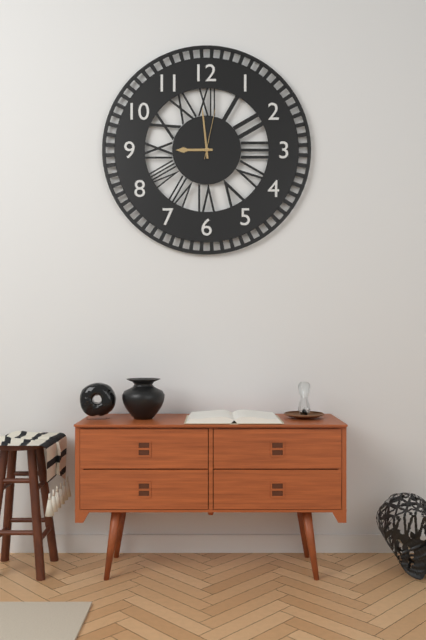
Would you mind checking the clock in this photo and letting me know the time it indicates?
8:59:02
